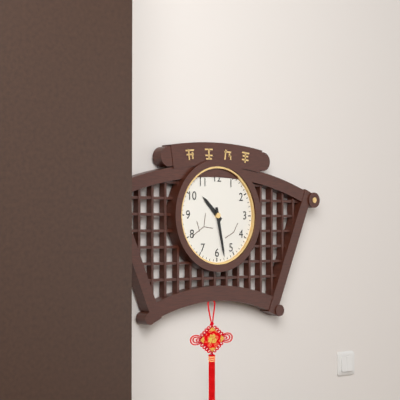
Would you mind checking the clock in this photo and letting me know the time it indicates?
10:28
